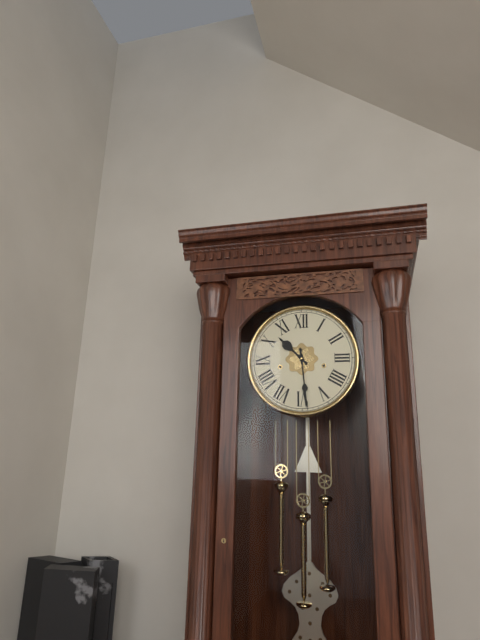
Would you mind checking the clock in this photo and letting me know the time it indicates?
10:29
